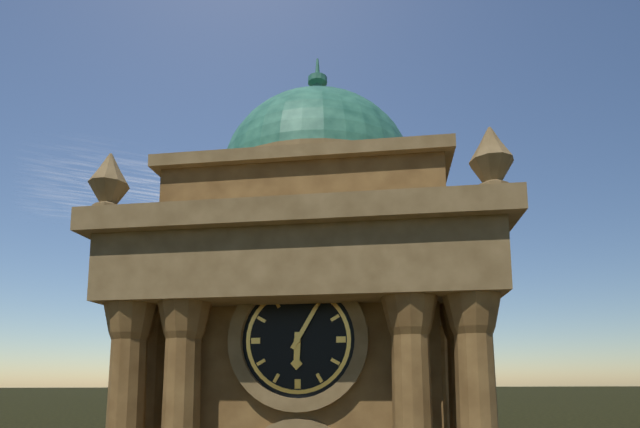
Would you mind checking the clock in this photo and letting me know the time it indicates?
6:05
